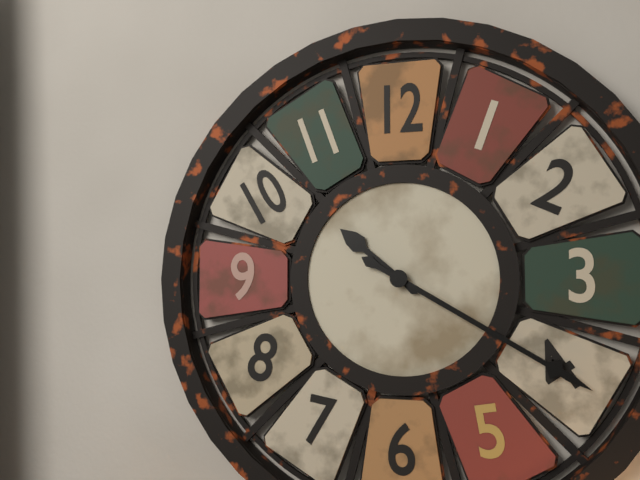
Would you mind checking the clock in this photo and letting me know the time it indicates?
10:20
